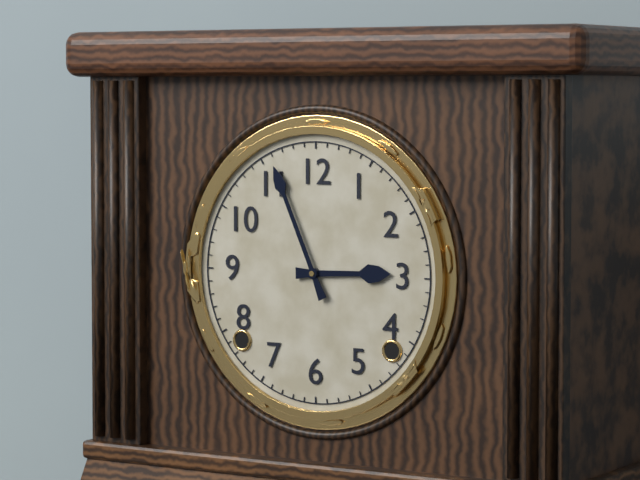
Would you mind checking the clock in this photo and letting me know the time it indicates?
2:56
